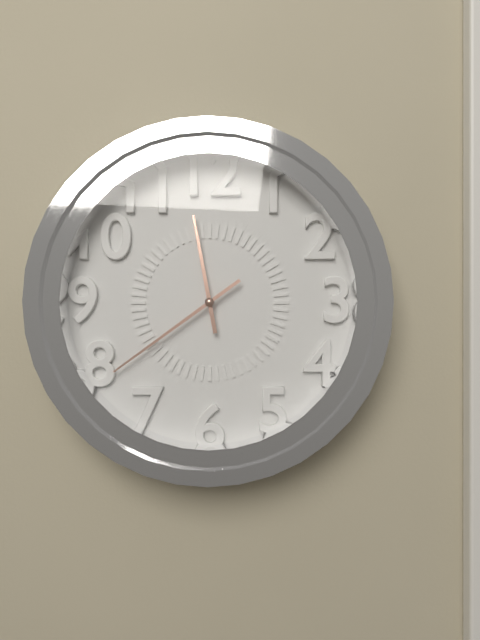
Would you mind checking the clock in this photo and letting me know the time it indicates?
11:39
